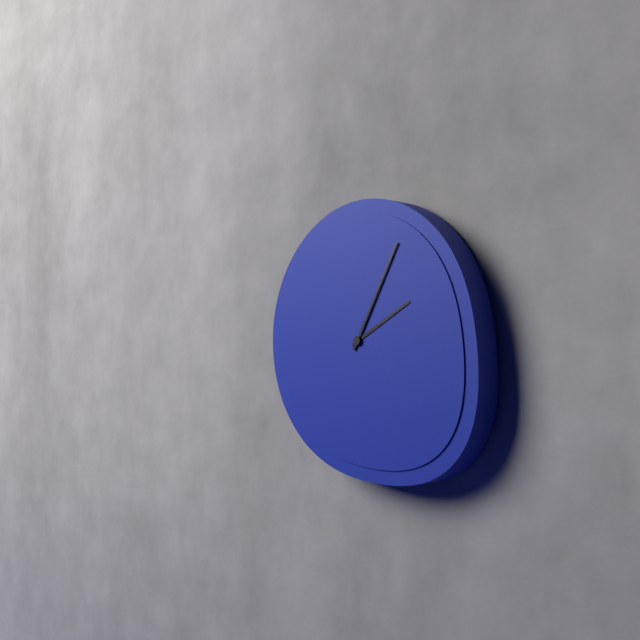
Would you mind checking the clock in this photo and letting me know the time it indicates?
2:05
